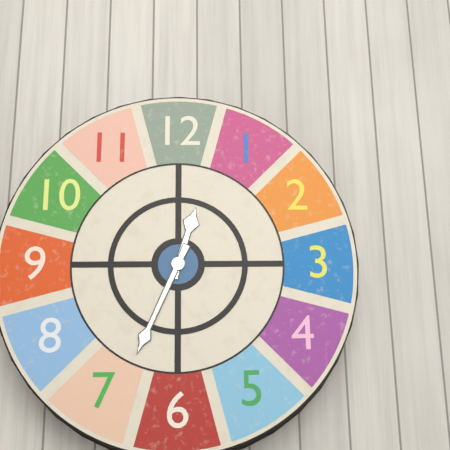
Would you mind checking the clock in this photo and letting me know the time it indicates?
12:34
